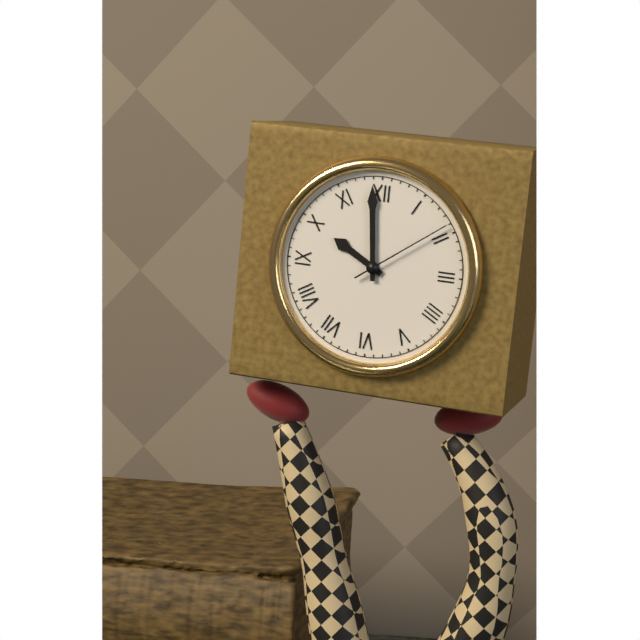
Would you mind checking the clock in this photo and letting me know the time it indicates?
9:59:09
